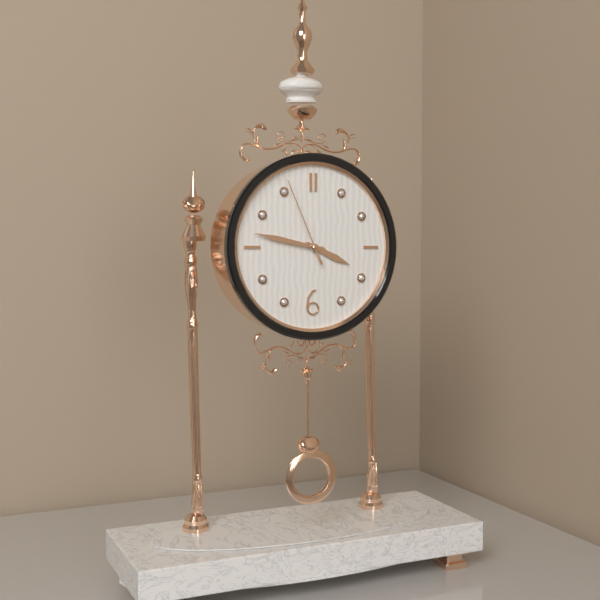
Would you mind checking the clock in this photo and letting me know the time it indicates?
3:47:56
